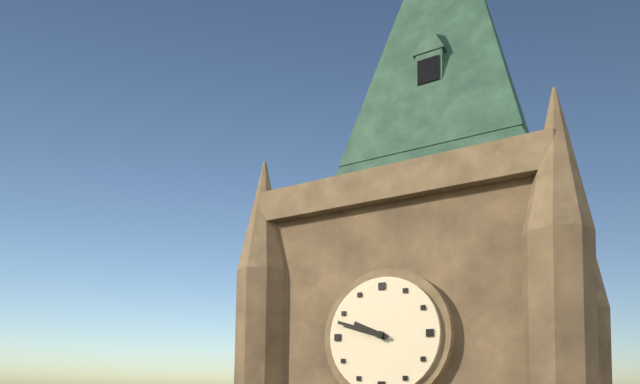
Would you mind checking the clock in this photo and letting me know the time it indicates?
9:48
